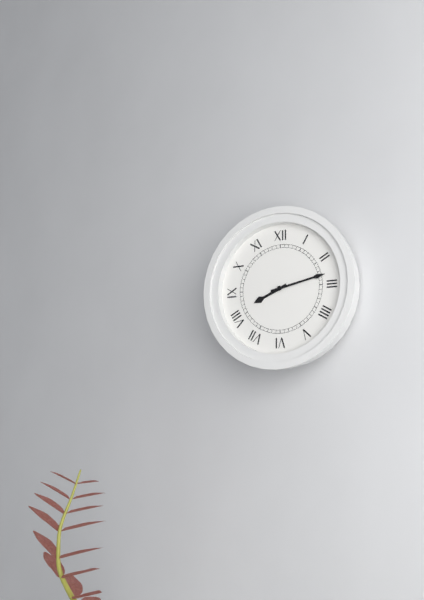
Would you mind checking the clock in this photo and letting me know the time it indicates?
8:13
